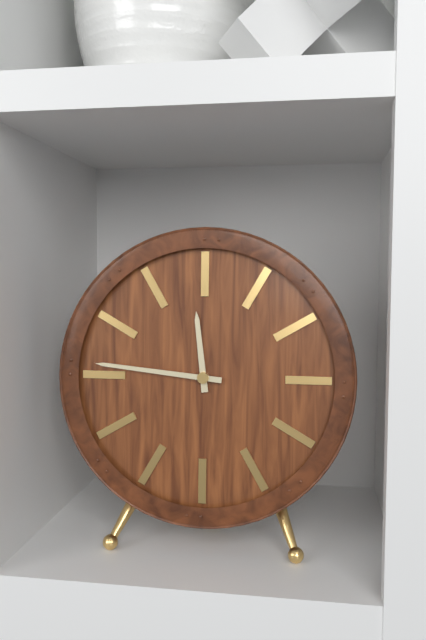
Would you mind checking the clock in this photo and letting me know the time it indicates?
11:46
